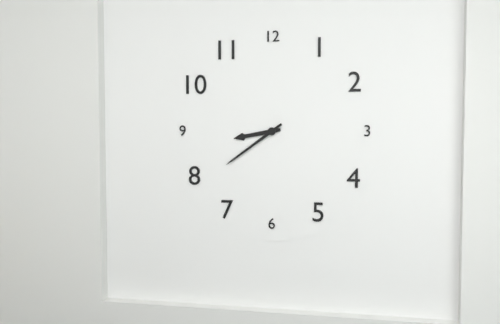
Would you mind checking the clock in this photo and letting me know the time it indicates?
8:39
